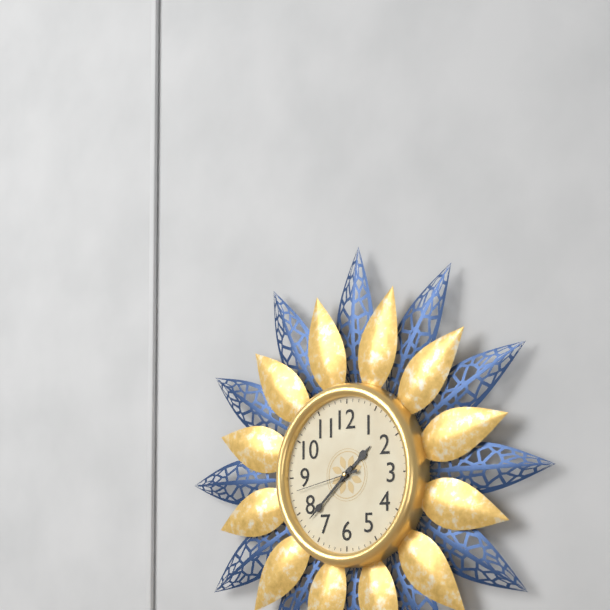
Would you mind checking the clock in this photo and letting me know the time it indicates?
1:38:43
